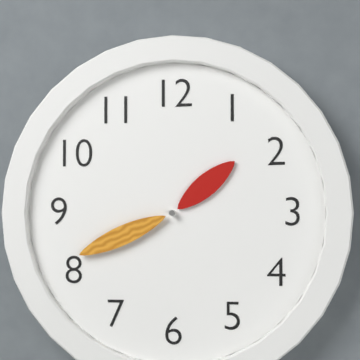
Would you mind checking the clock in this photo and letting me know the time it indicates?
1:41
